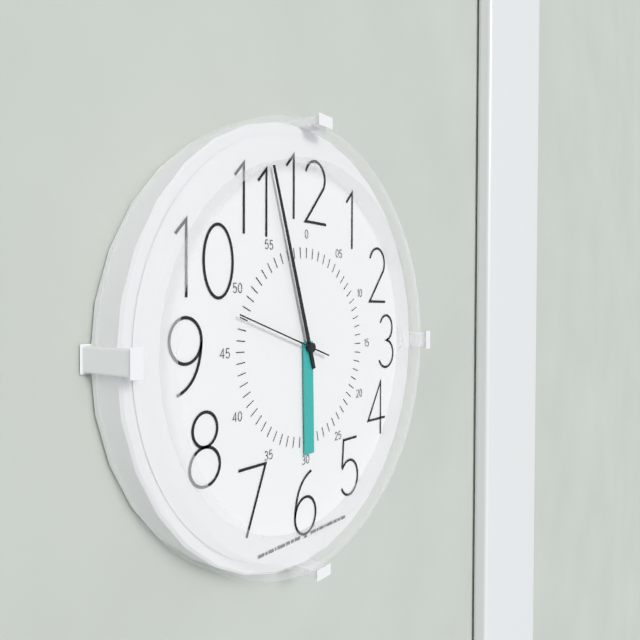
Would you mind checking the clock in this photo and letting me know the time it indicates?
5:57:48
